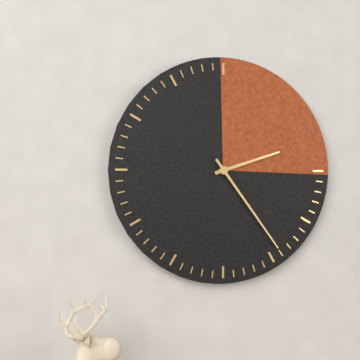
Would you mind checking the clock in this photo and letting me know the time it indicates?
2:24
